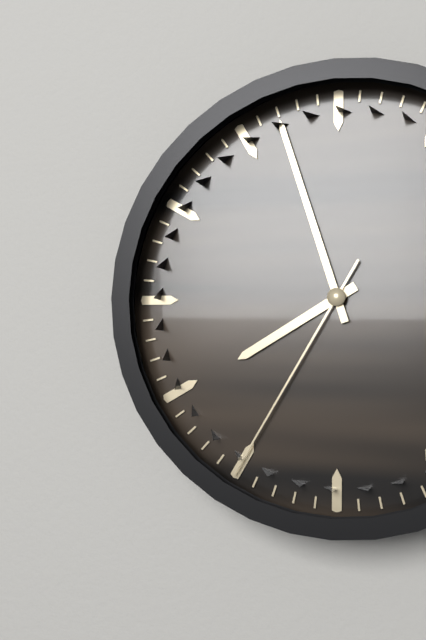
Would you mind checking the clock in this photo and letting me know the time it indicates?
7:57:35
